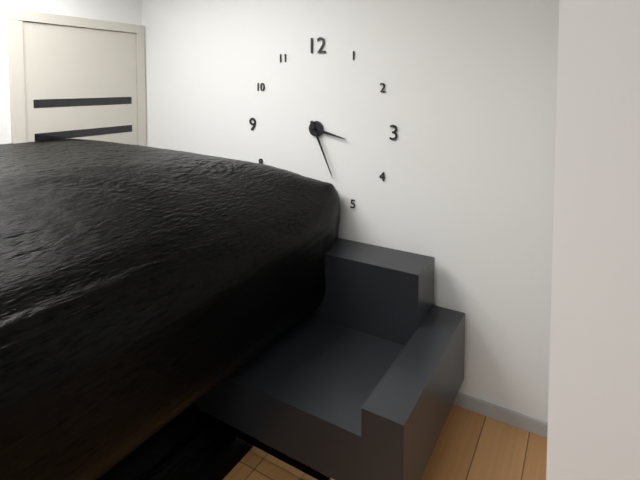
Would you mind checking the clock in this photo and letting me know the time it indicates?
3:26
